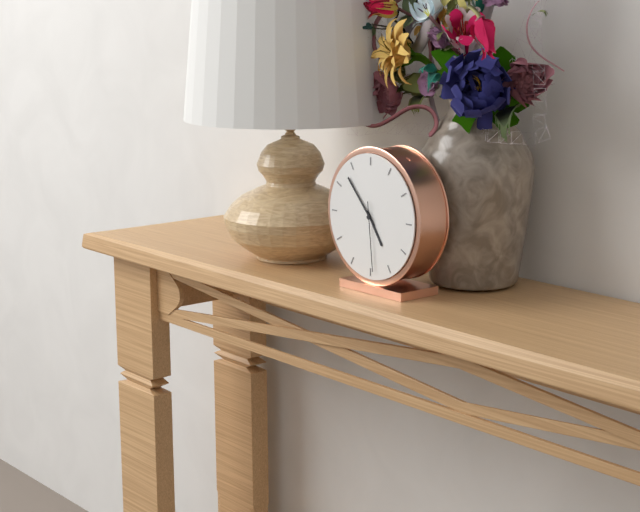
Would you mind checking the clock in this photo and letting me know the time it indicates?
4:53:29
